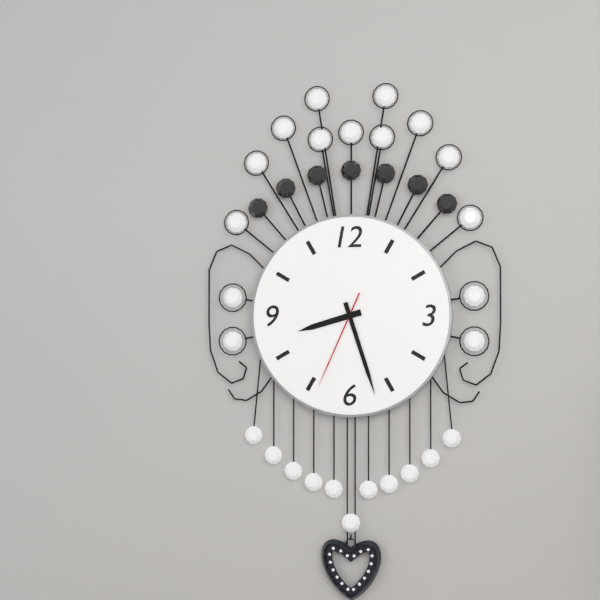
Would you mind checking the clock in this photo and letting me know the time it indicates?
8:27:34
